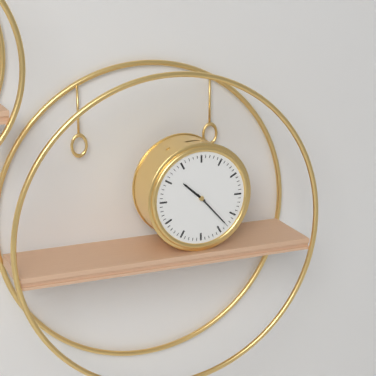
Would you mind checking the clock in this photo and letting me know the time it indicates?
10:23
